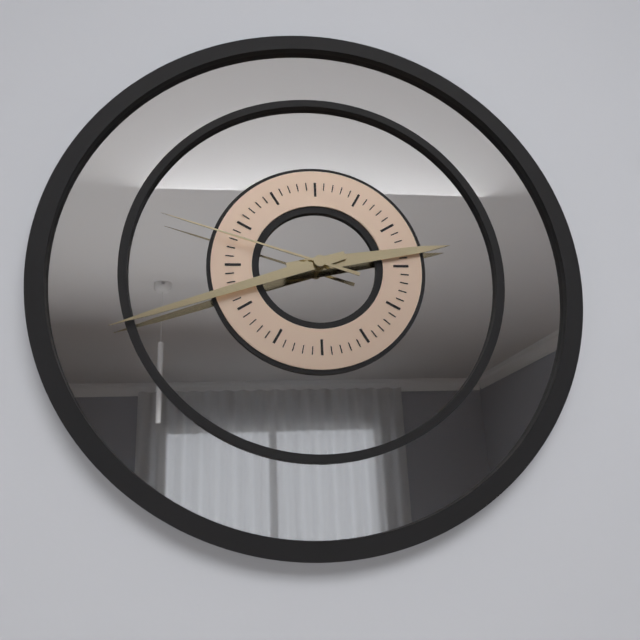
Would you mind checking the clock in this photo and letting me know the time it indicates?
2:42:48
